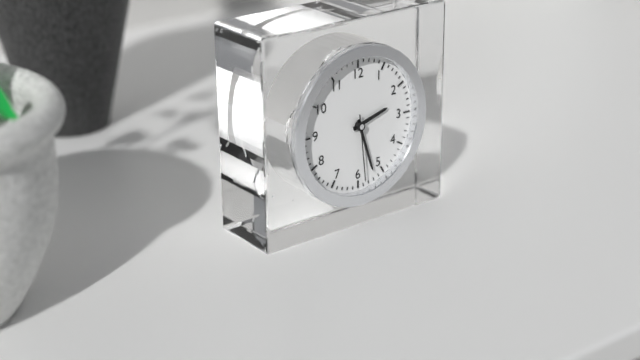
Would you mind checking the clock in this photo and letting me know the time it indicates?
2:27:29
